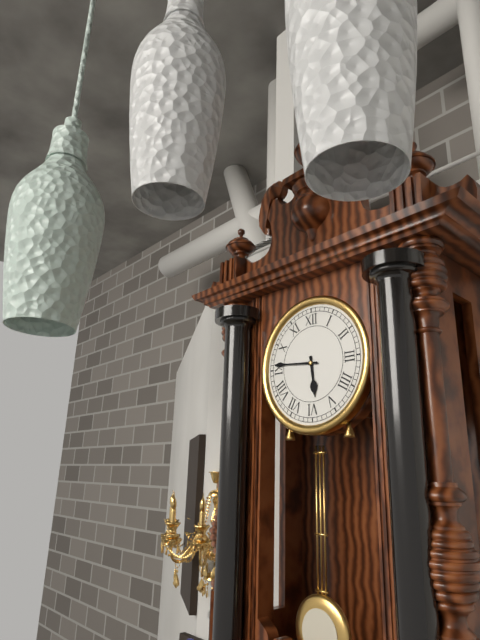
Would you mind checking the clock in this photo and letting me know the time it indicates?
5:46
